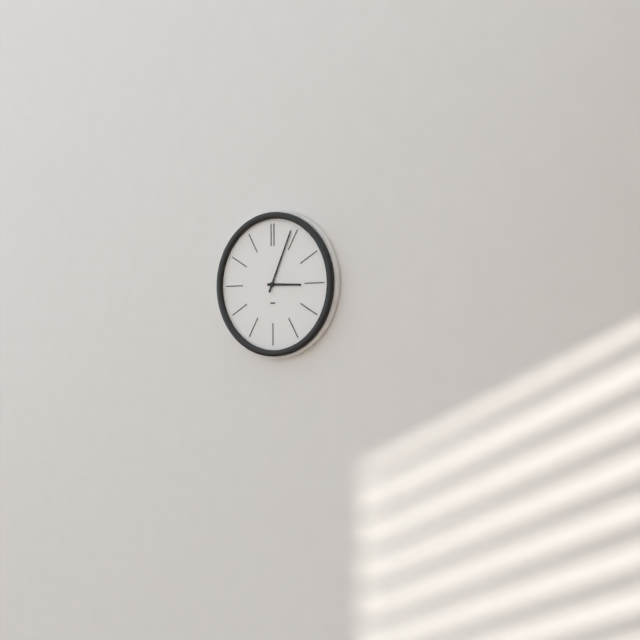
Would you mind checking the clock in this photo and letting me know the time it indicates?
3:04
